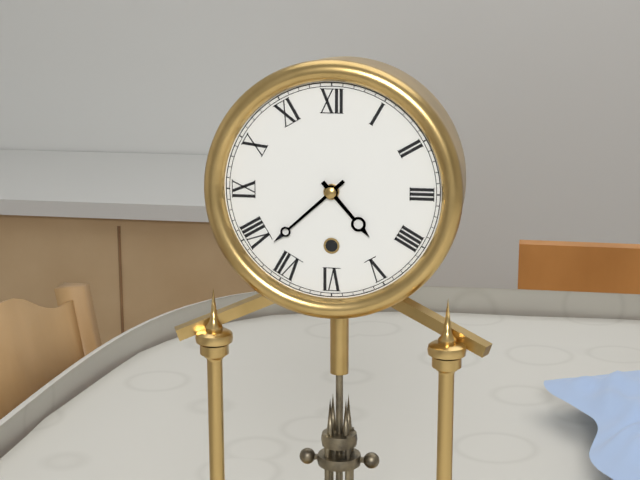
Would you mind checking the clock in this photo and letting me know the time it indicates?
4:38
